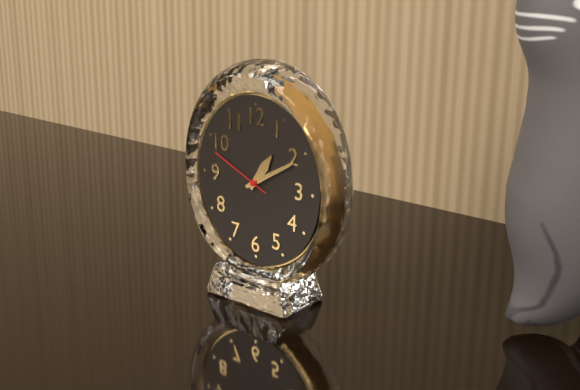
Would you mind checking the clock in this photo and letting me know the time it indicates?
1:10:49
